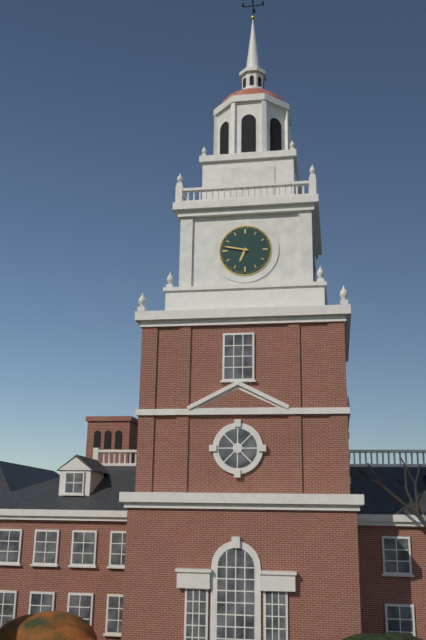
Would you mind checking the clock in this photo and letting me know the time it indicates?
6:47
